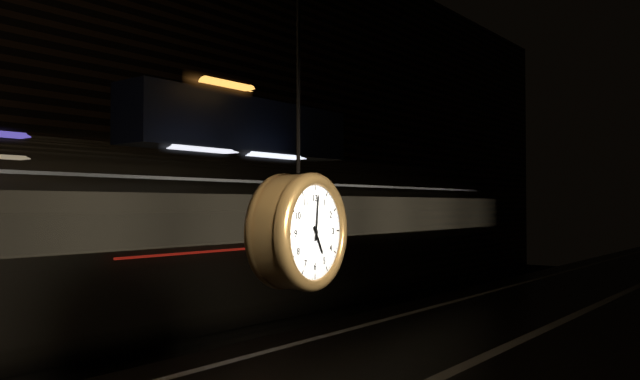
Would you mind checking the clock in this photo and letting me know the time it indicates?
5:01
